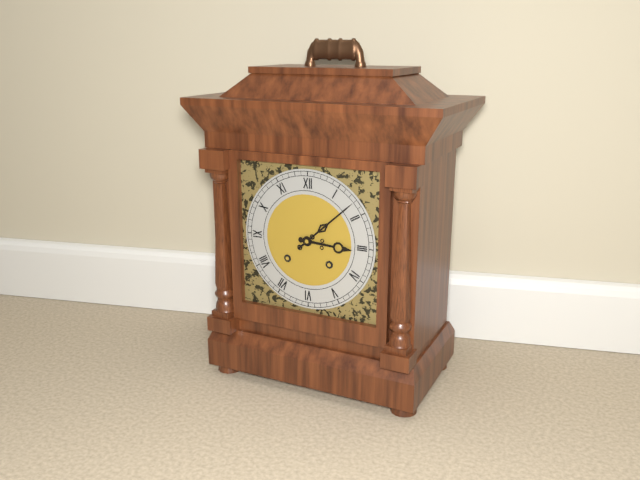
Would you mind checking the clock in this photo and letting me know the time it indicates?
3:08
